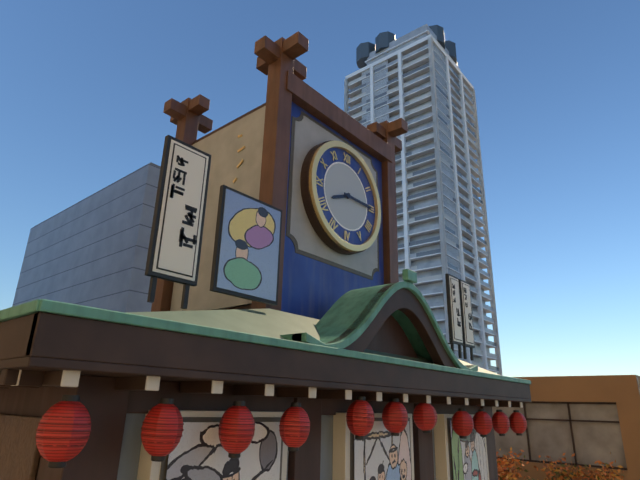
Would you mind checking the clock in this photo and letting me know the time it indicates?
8:15
